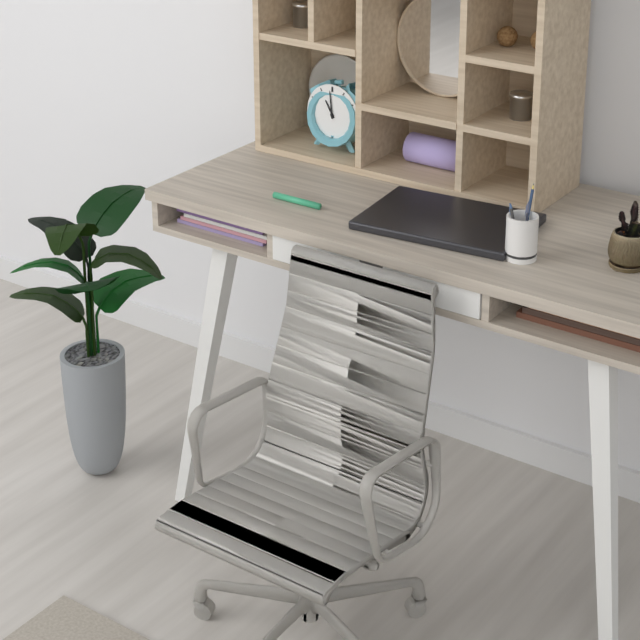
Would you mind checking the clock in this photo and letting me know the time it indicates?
10:59
